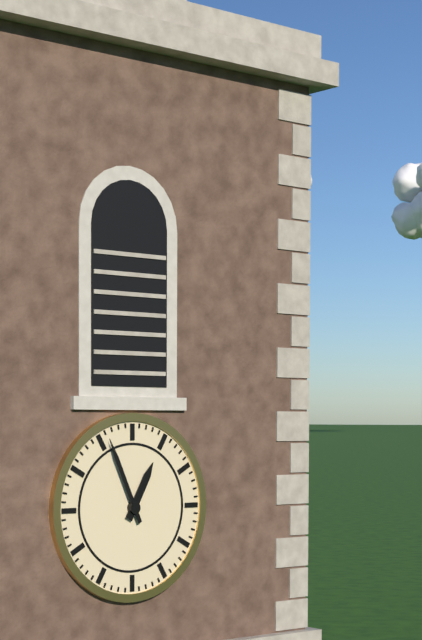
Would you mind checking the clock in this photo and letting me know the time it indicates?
12:56
